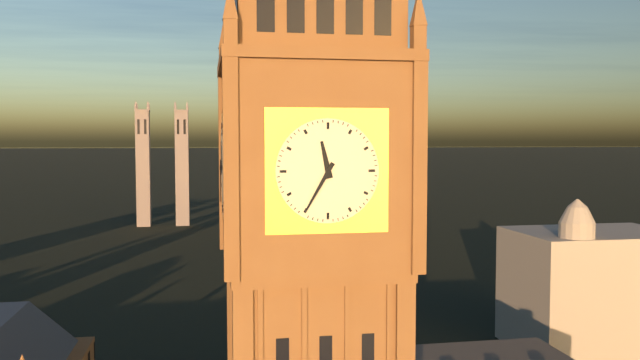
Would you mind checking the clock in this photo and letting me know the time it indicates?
11:35
